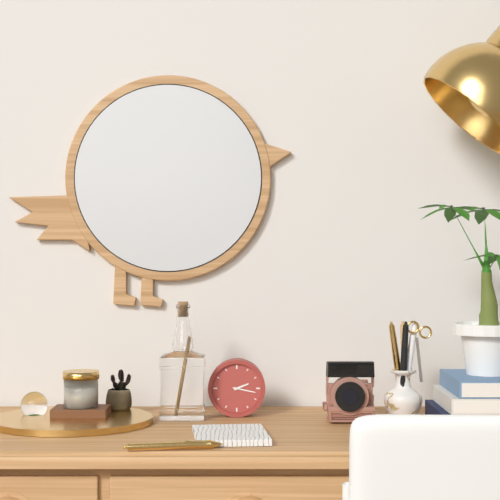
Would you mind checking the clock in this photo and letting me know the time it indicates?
2:17
